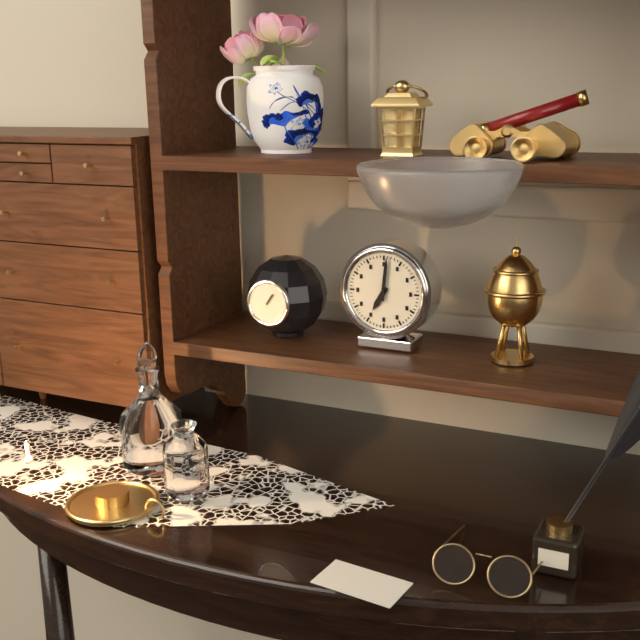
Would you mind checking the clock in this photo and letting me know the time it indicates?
7:01
